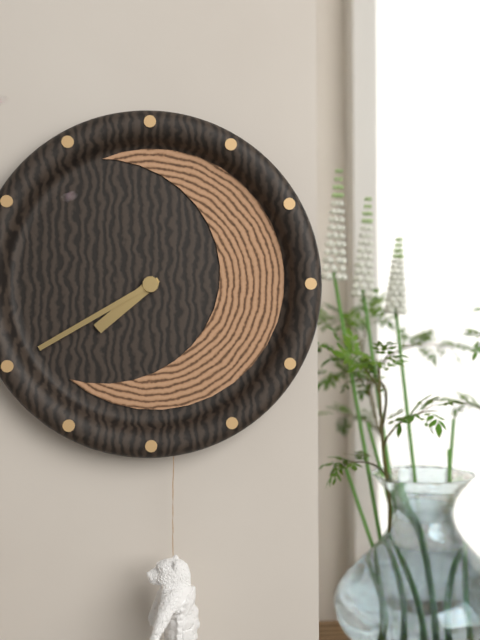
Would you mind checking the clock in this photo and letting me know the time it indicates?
7:40
